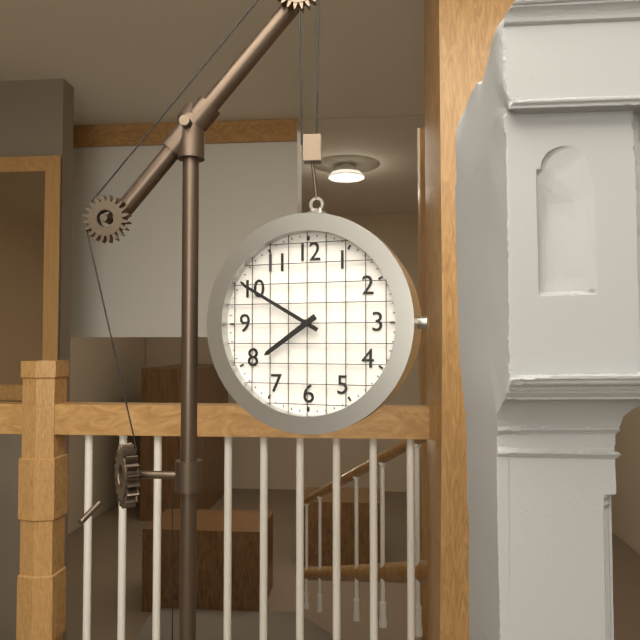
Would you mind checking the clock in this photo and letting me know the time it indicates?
7:50
